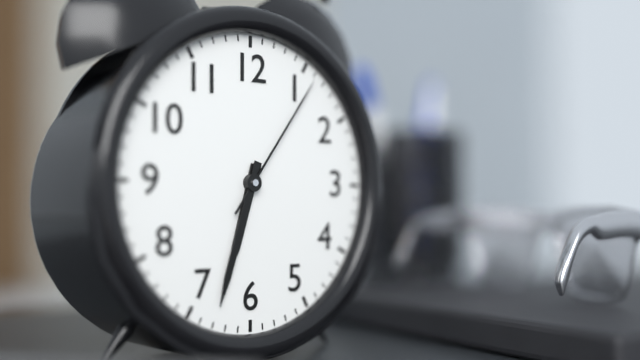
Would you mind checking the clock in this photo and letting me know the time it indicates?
6:33:06
